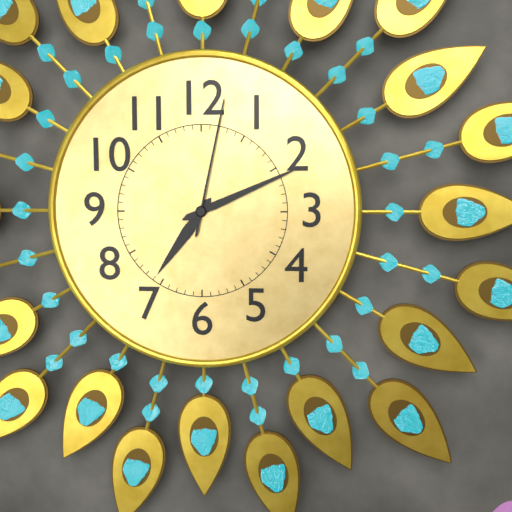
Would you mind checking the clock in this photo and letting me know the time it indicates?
7:11:02
